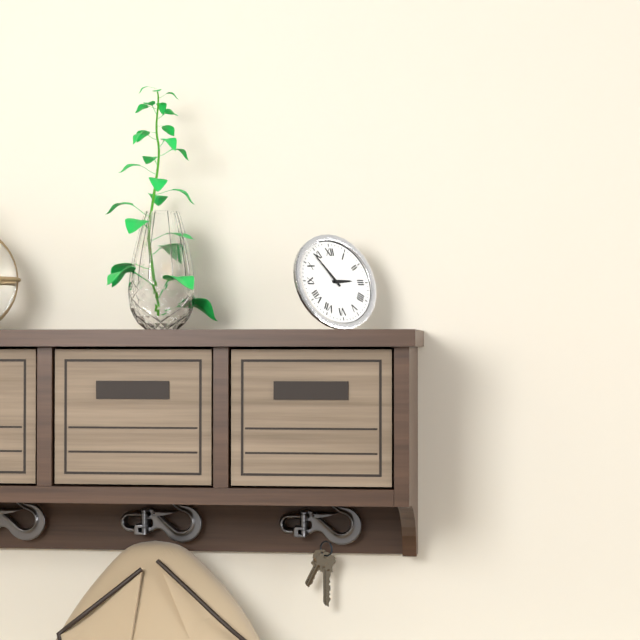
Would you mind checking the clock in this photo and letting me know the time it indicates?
2:54
